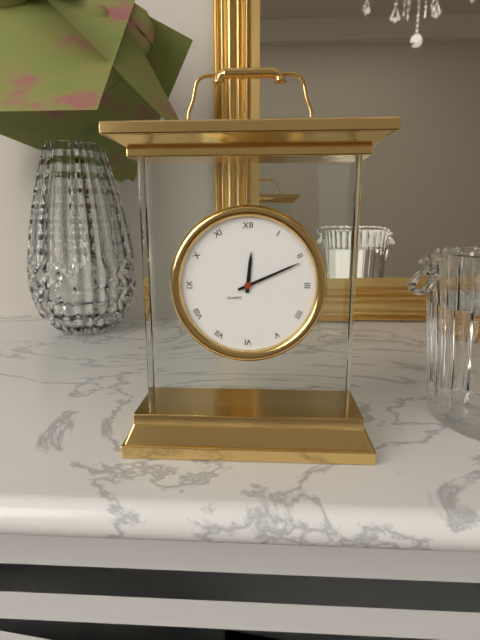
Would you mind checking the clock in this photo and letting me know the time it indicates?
12:11
